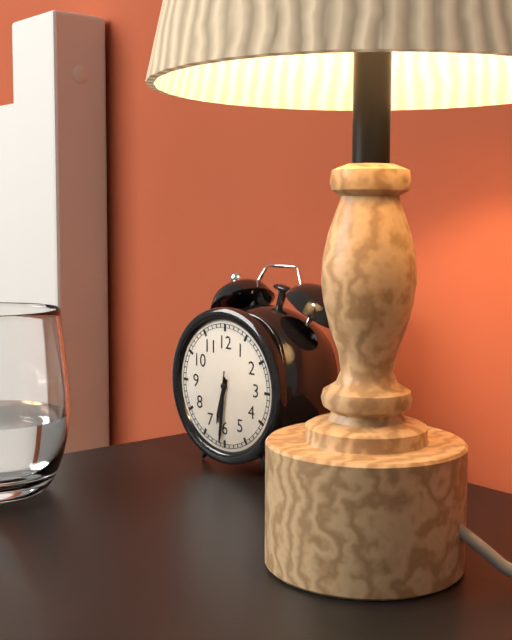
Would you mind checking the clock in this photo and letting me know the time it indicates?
6:31:31
